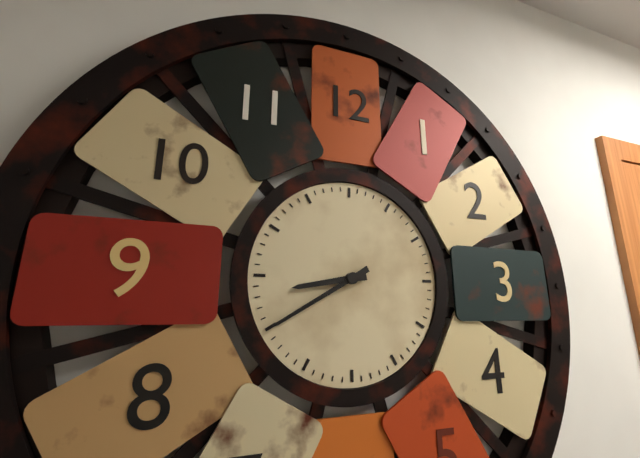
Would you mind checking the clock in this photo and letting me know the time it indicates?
8:40
